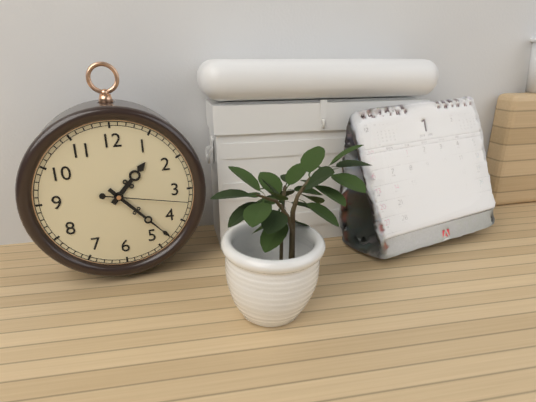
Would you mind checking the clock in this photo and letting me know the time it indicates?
1:23:17
